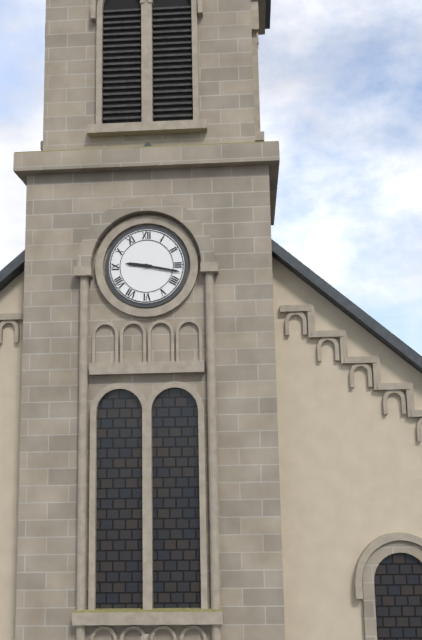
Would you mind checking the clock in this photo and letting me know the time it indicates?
9:17
